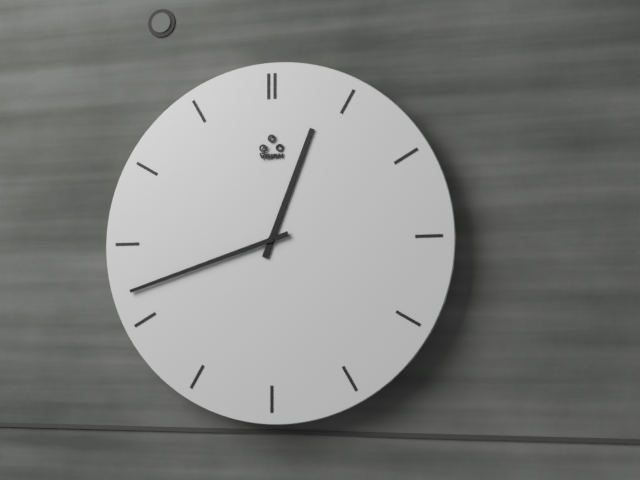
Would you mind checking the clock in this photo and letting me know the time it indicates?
12:42
